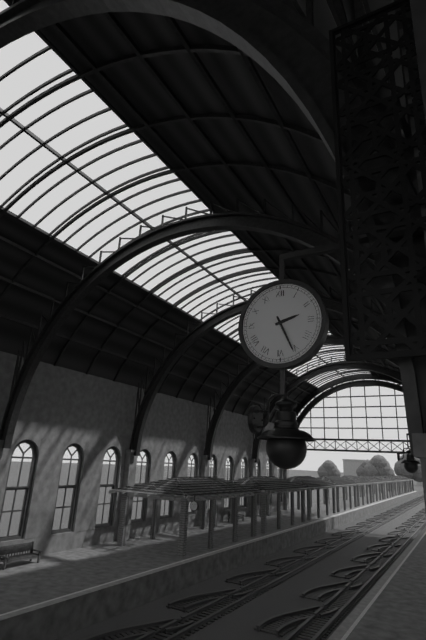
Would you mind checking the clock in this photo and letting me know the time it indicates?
2:26
